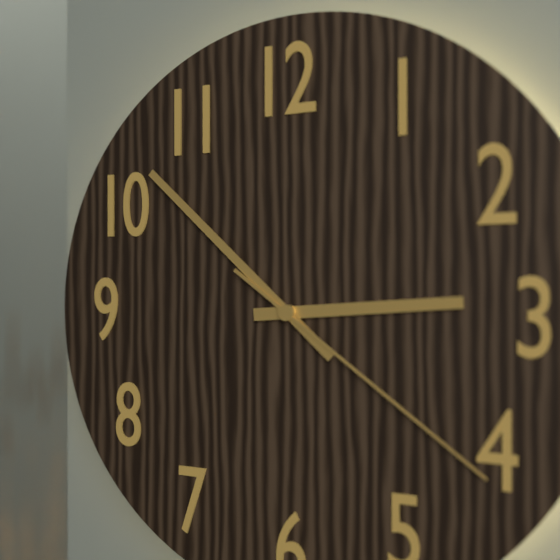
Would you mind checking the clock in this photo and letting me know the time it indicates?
2:52:21
